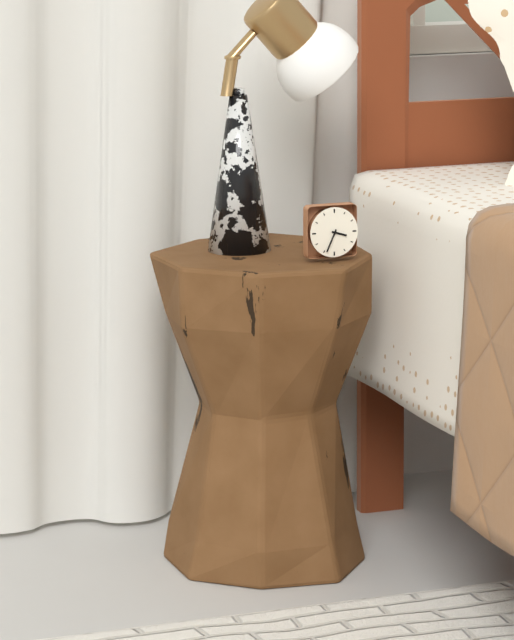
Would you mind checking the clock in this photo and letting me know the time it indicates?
3:34
